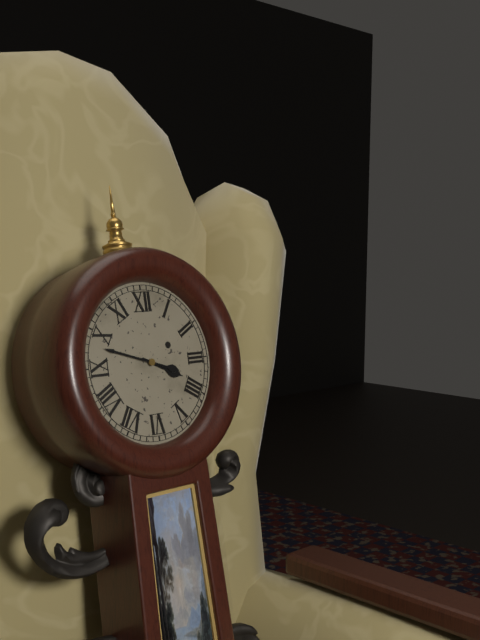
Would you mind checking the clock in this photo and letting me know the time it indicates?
3:48
